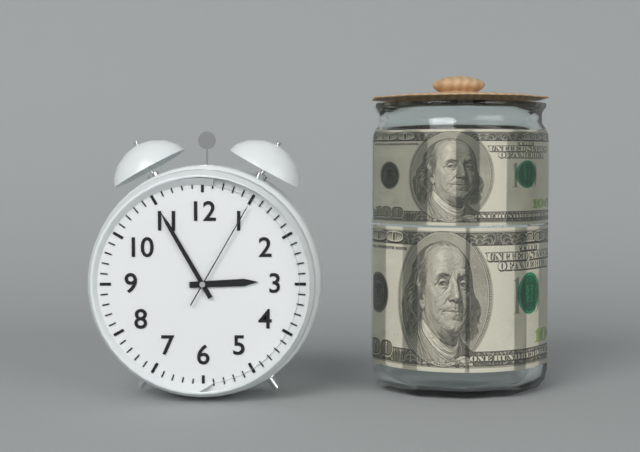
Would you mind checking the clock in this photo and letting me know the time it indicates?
2:55:05
